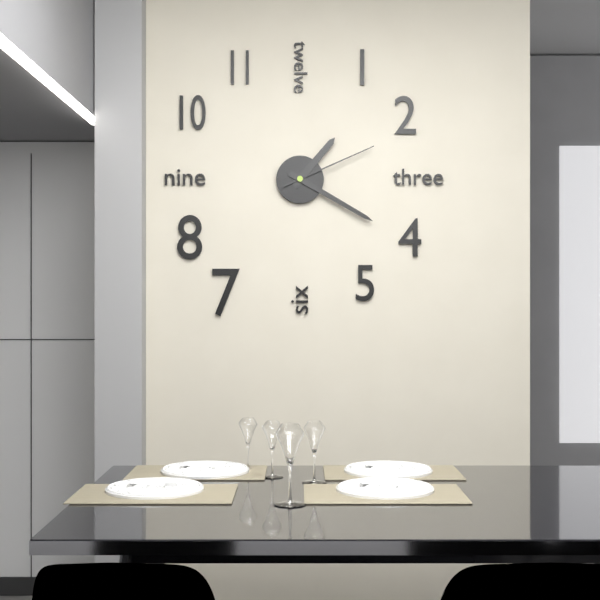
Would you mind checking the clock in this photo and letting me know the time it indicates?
1:20:11
